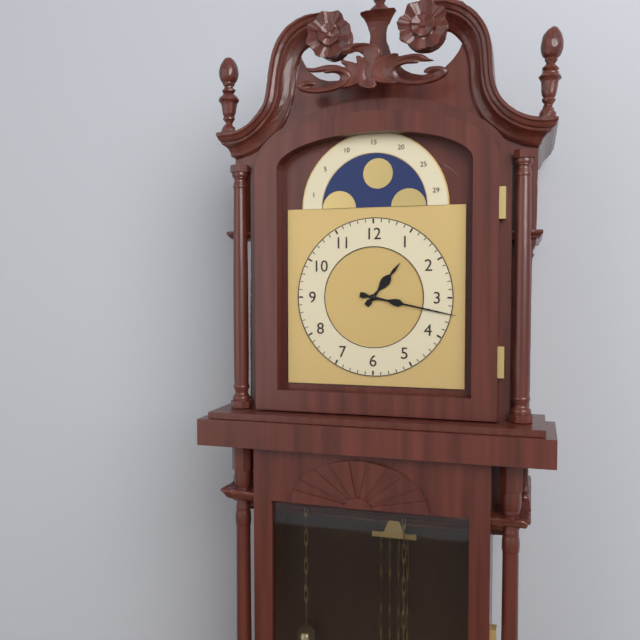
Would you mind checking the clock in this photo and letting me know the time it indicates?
1:17
